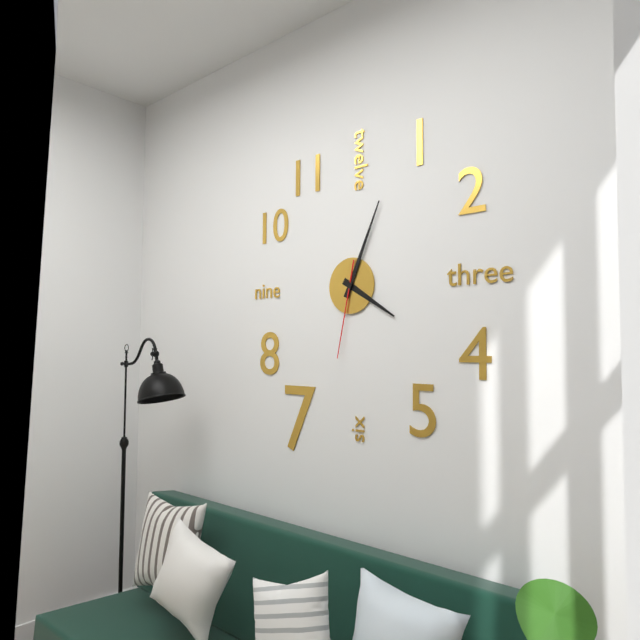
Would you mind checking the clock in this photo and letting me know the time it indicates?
4:04:32
